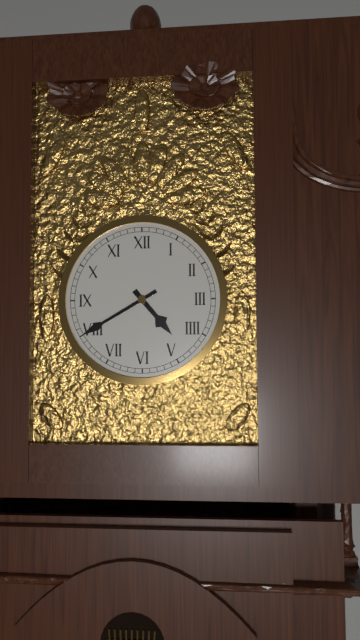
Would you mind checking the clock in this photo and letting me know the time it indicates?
4:40
